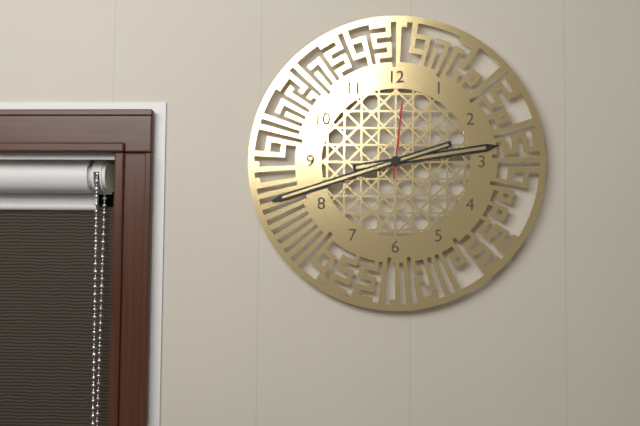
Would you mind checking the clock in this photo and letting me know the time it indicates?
2:42:01
